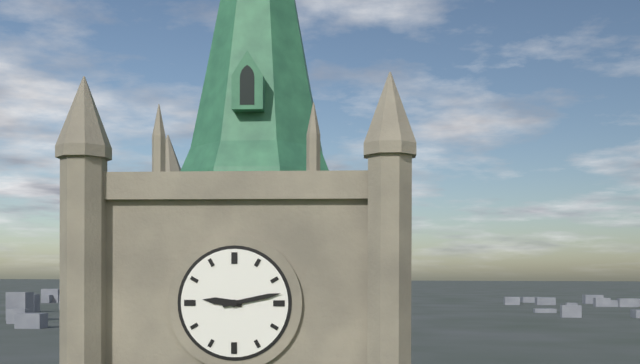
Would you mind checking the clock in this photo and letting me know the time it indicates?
9:13
